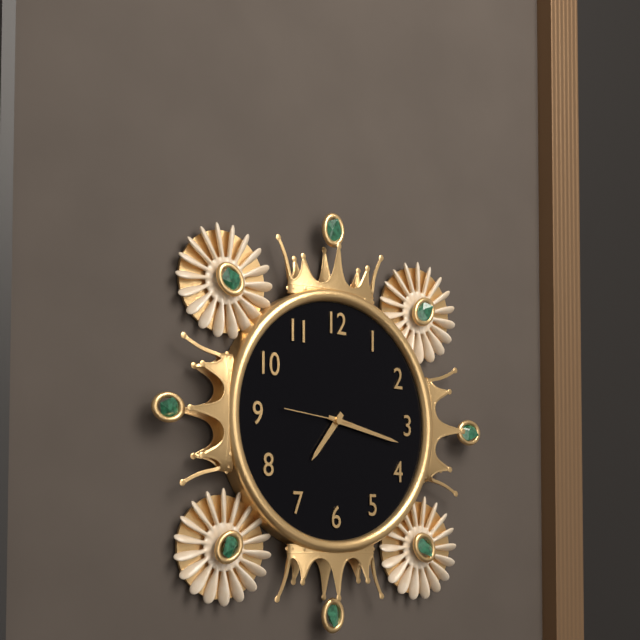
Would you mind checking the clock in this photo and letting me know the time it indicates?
7:17:46
